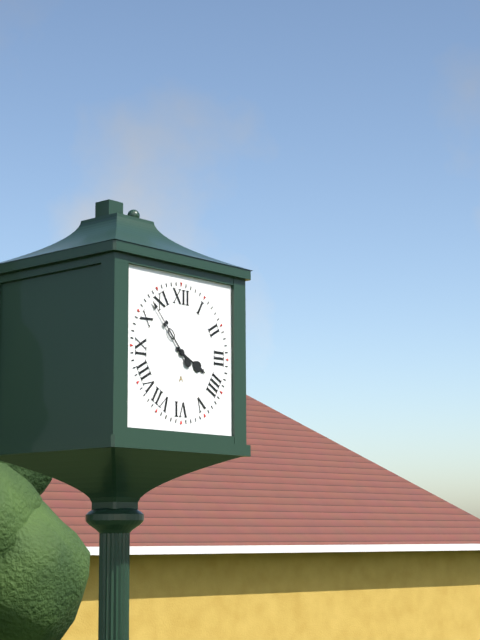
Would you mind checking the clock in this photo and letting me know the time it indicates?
3:53
